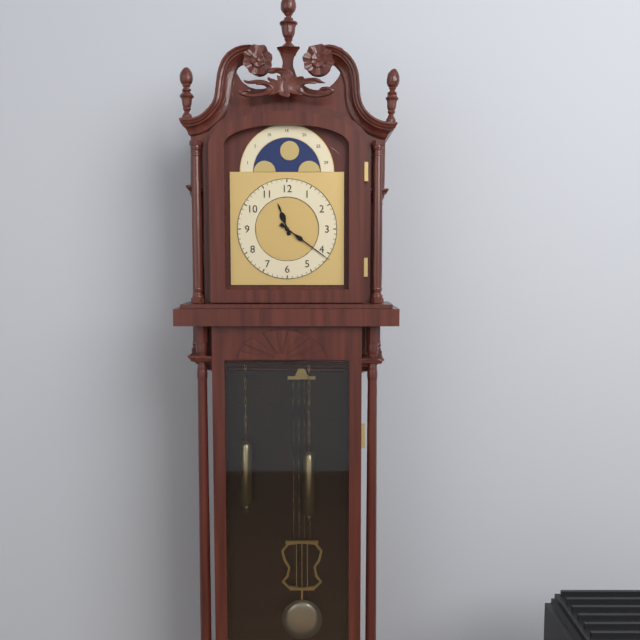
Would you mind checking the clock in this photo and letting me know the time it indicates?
11:21
